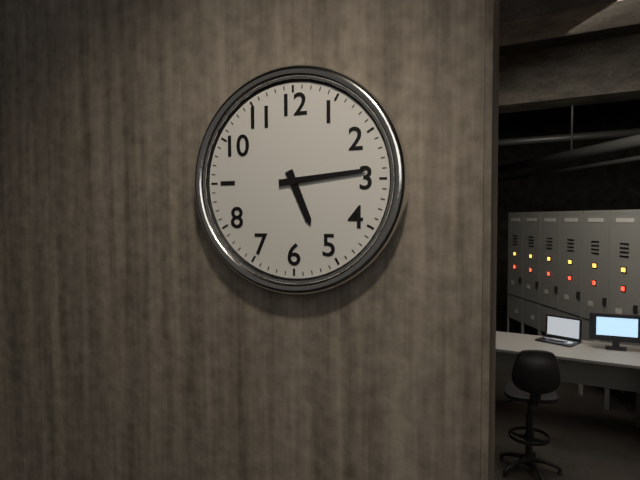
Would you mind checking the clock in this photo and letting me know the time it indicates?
5:14
